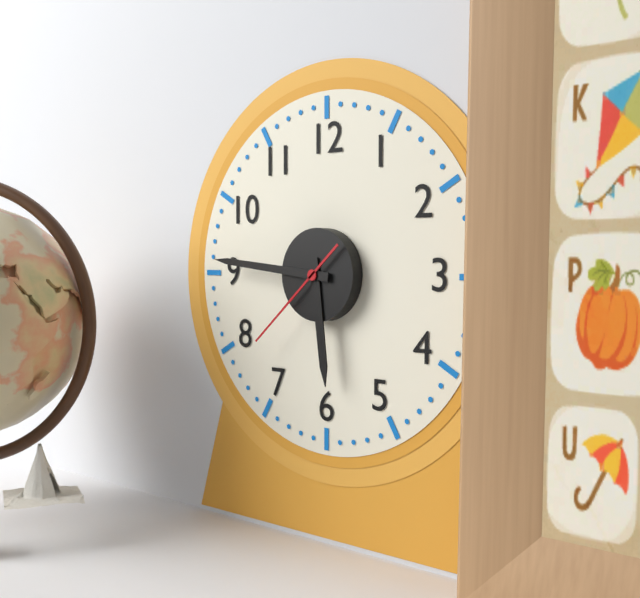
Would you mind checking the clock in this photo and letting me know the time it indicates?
5:46:38
